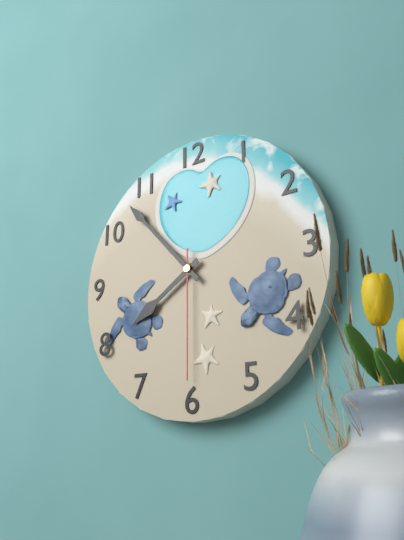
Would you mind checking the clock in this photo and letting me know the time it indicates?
7:53:30
